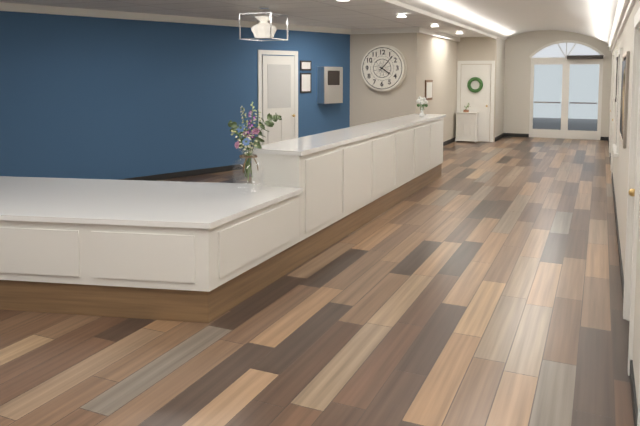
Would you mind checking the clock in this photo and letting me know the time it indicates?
4:07
